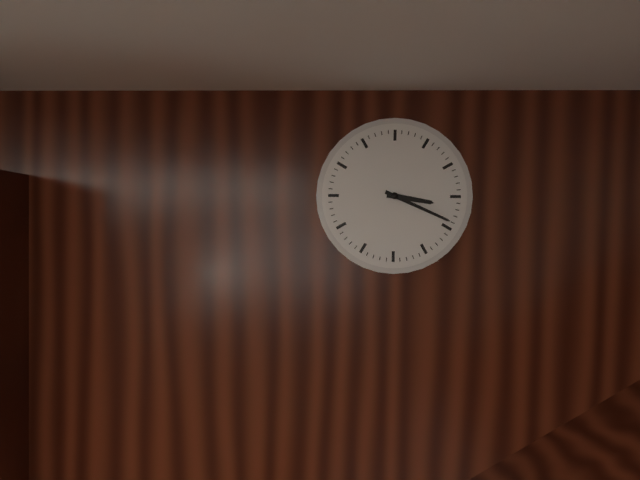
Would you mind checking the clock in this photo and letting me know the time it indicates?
3:19
